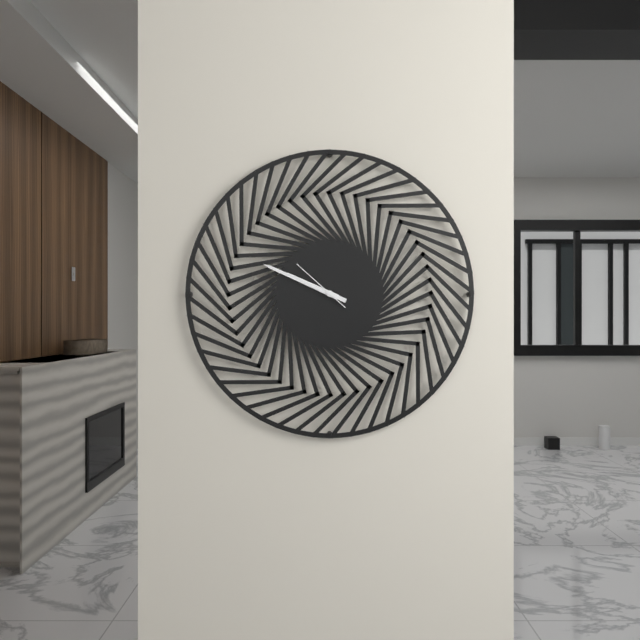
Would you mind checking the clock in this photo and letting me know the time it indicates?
9:49:52
